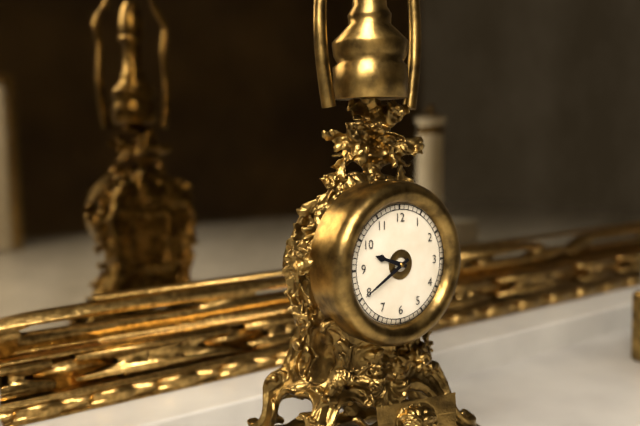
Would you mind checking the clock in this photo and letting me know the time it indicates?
9:40
